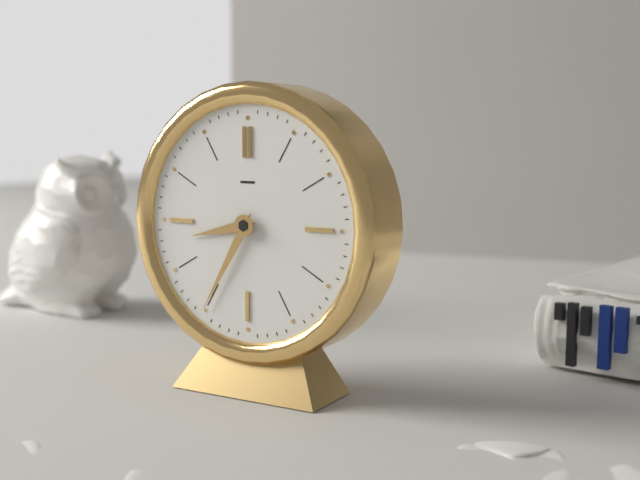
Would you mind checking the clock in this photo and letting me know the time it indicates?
8:35
